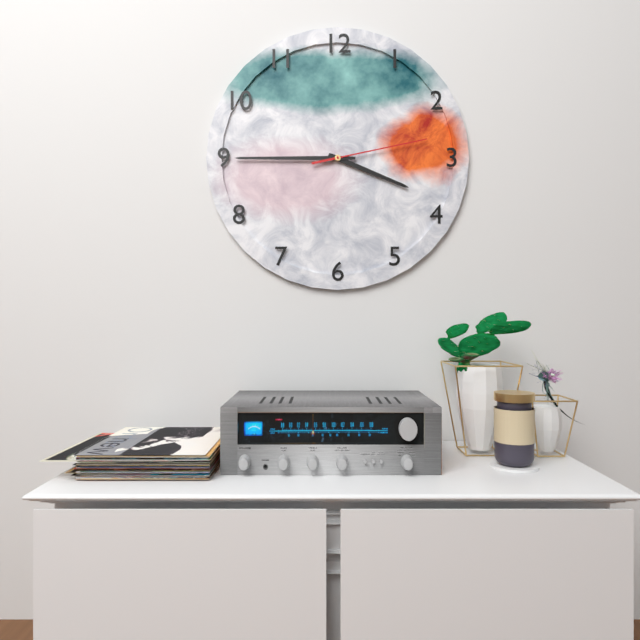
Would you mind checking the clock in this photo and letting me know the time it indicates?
3:45:13
